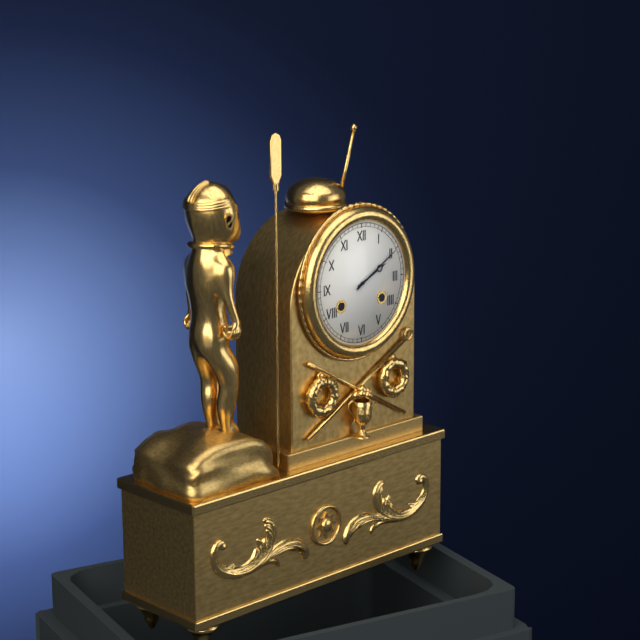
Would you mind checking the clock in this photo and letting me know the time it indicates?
2:10
